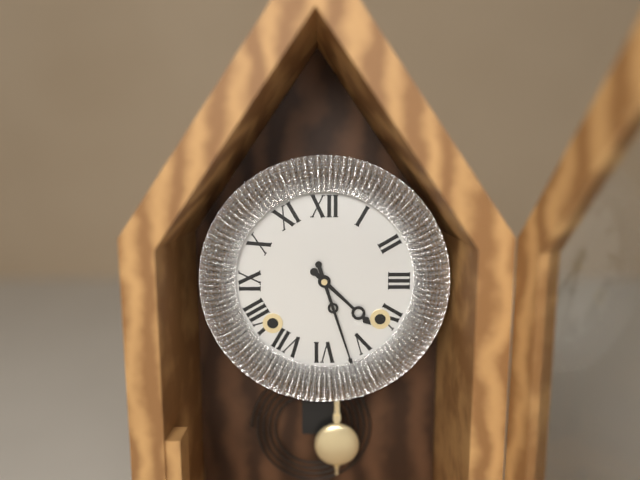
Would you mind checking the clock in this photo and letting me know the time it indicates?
4:27
